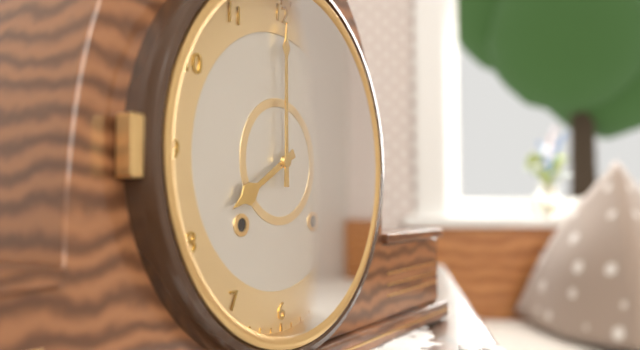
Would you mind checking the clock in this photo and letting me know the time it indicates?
8:00
